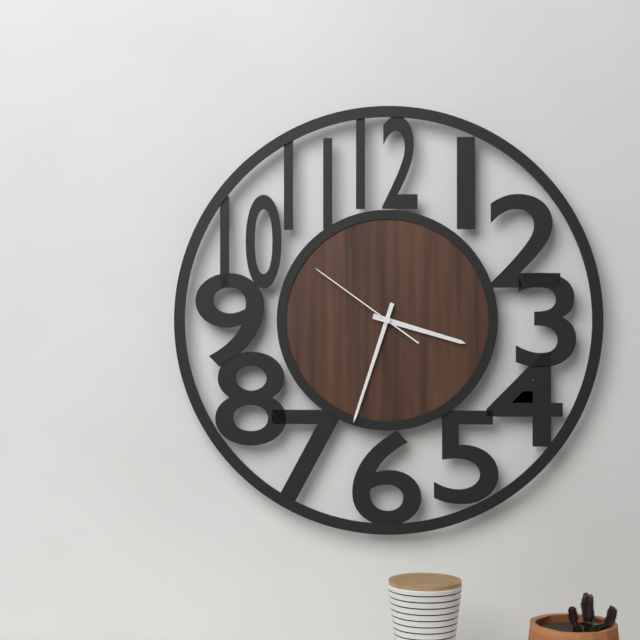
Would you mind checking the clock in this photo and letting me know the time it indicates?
3:33:51
